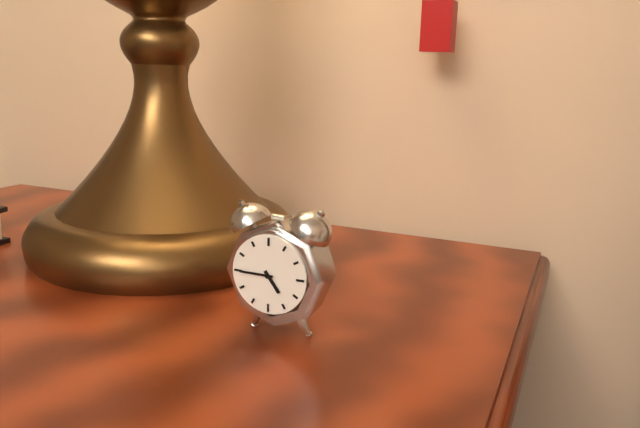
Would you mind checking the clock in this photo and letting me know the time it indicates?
4:45
